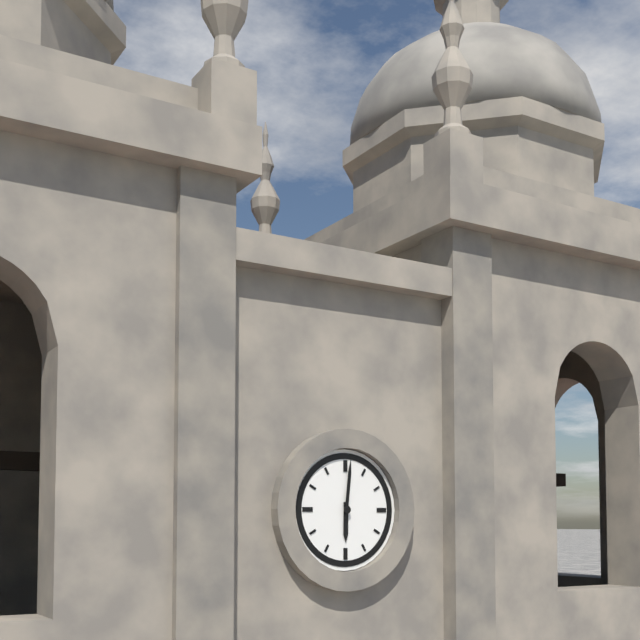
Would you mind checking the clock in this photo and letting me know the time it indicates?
6:01
